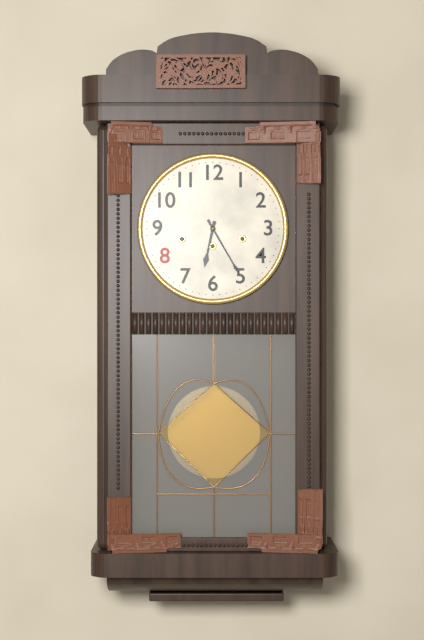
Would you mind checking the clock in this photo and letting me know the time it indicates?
6:25
